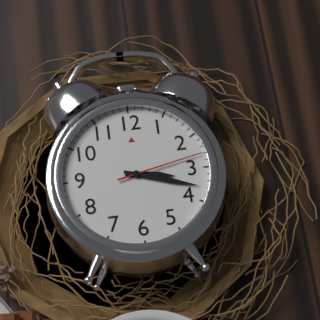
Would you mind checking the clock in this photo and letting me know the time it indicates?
3:18:13
